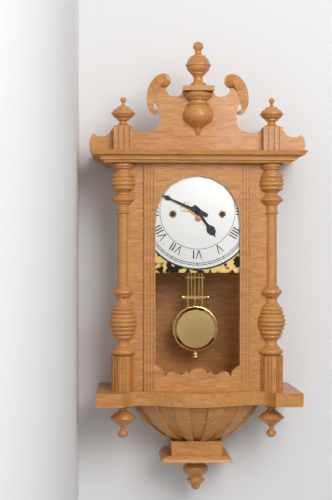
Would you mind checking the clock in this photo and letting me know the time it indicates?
4:49
